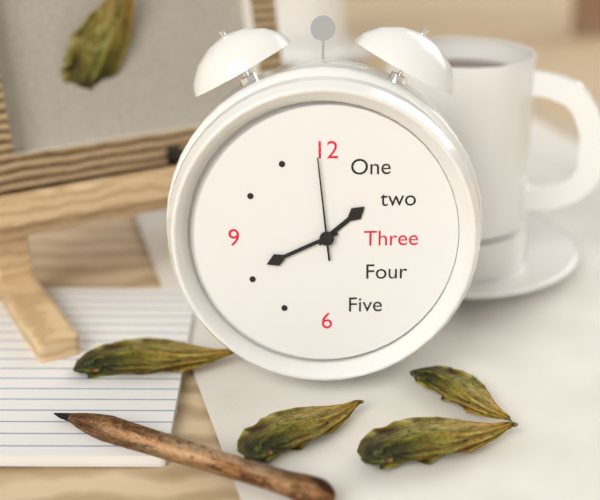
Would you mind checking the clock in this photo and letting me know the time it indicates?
1:41:59
